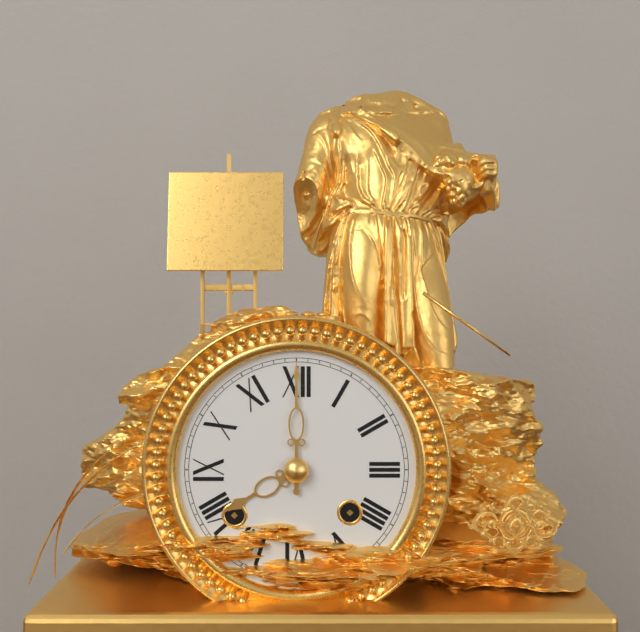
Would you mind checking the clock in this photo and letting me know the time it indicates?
8:00
